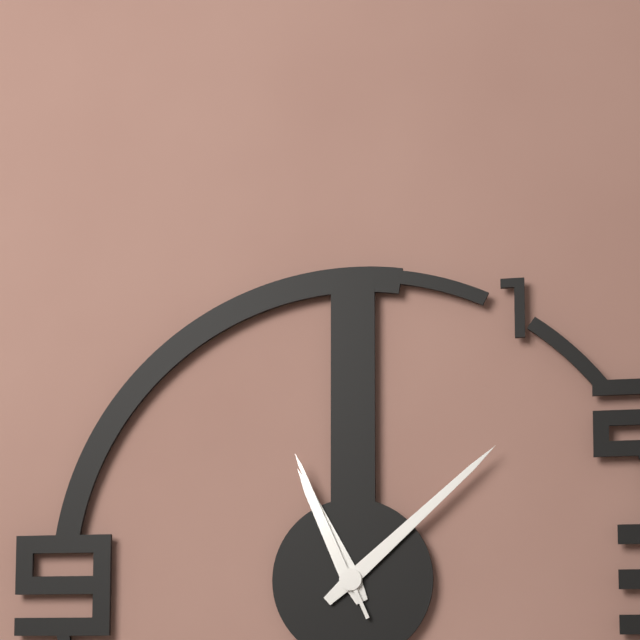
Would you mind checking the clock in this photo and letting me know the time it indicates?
11:08:56
